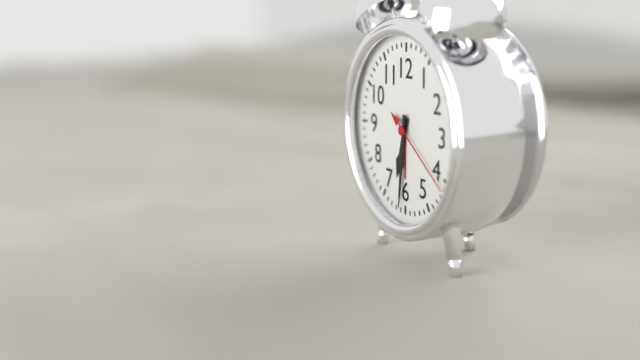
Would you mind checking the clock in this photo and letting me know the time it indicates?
6:31:21
